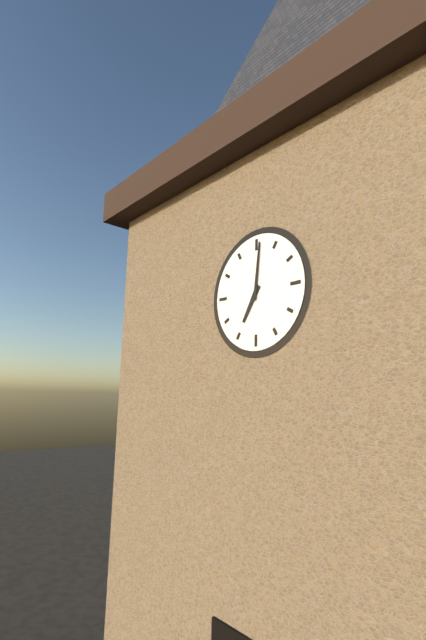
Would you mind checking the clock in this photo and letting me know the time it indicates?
7:01
